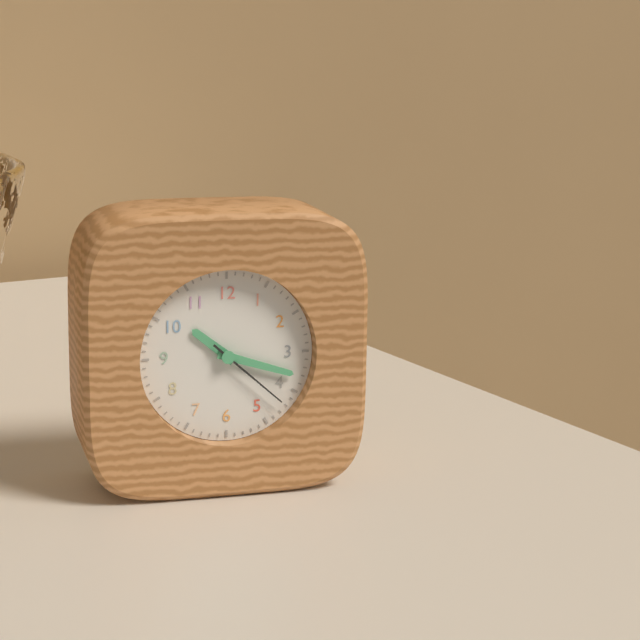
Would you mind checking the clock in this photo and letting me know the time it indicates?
10:18:22
